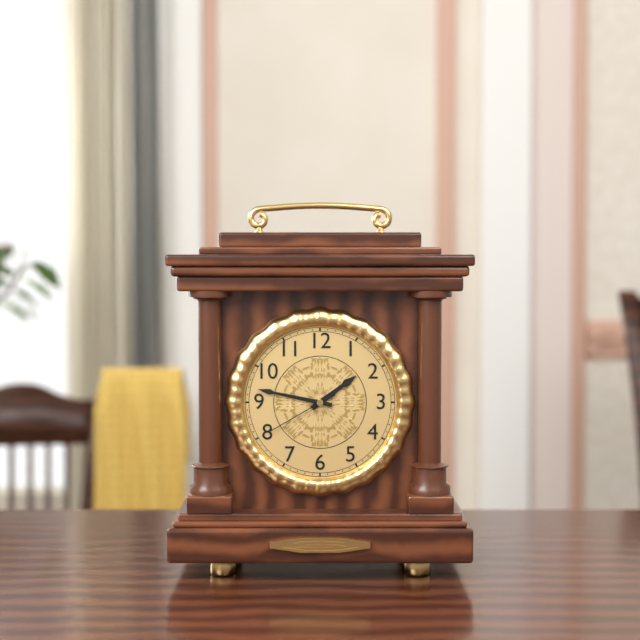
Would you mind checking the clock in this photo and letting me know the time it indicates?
1:47:40
